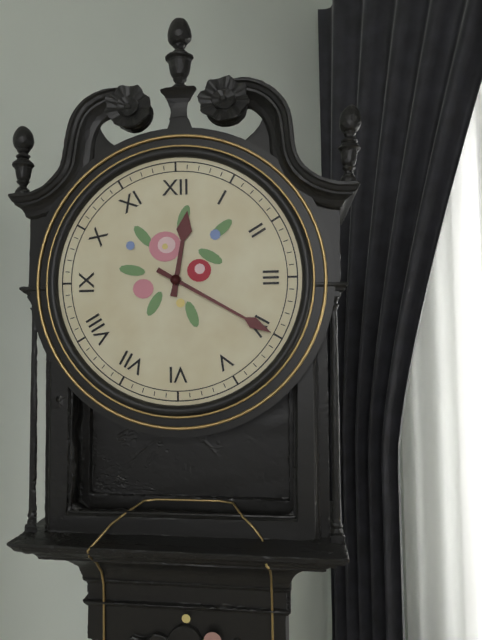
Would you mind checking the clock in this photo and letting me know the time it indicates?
12:20
